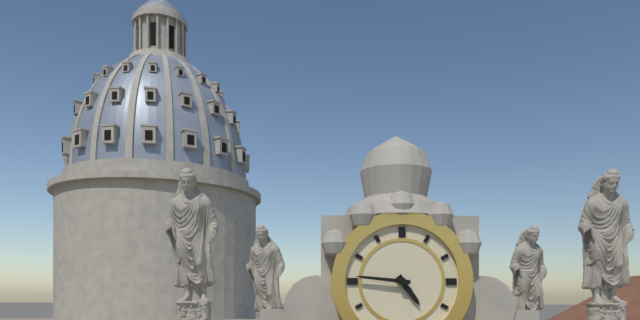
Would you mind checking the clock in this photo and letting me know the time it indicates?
4:46
